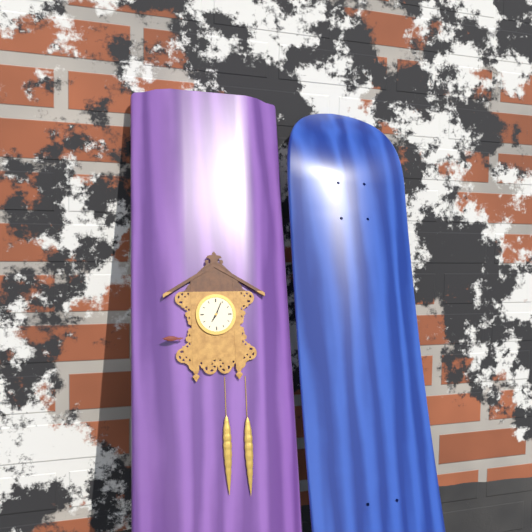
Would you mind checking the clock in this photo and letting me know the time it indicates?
7:04
